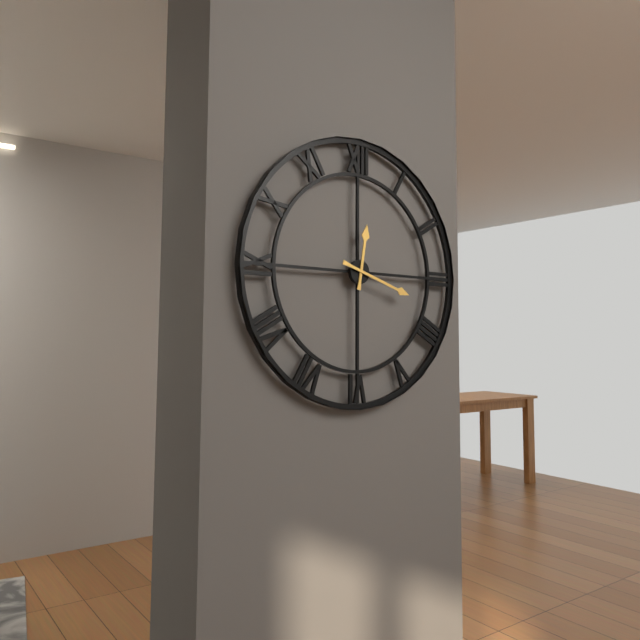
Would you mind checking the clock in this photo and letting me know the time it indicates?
12:18
